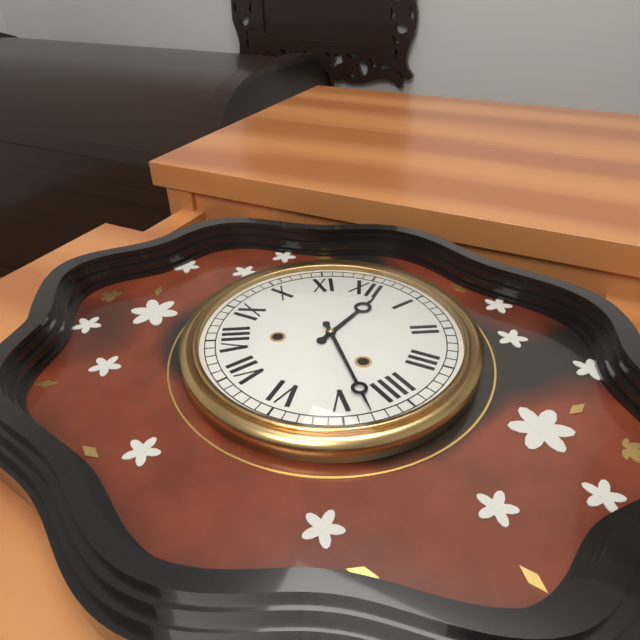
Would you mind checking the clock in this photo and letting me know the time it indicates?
12:23
